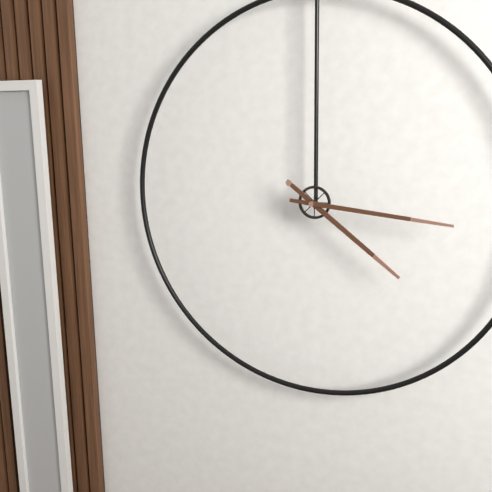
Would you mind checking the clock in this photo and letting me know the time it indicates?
4:16
